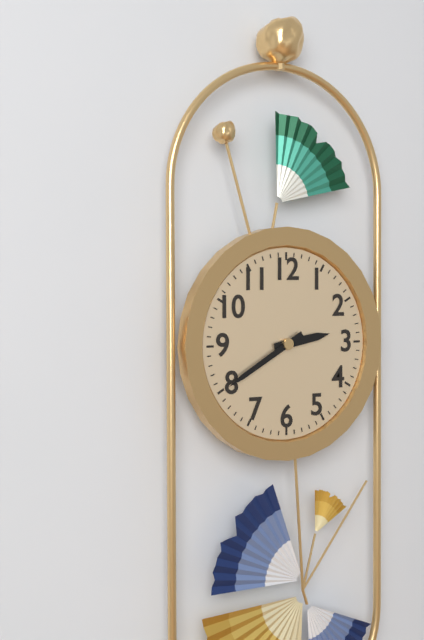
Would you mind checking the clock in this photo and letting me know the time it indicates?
2:40
